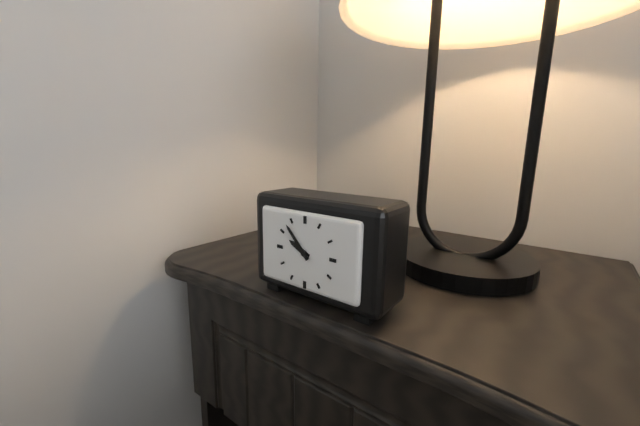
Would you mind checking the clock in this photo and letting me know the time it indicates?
9:53
